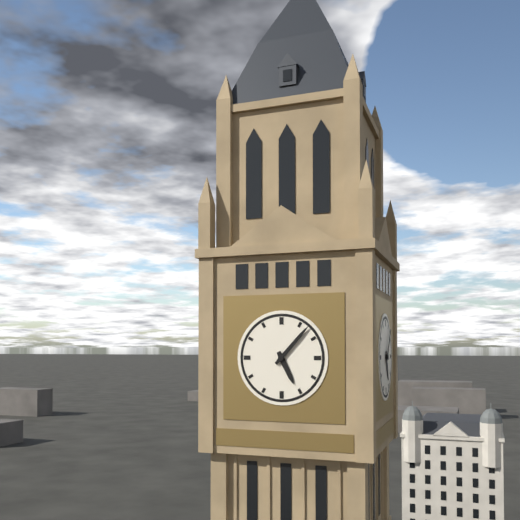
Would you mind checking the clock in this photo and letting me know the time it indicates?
5:07
